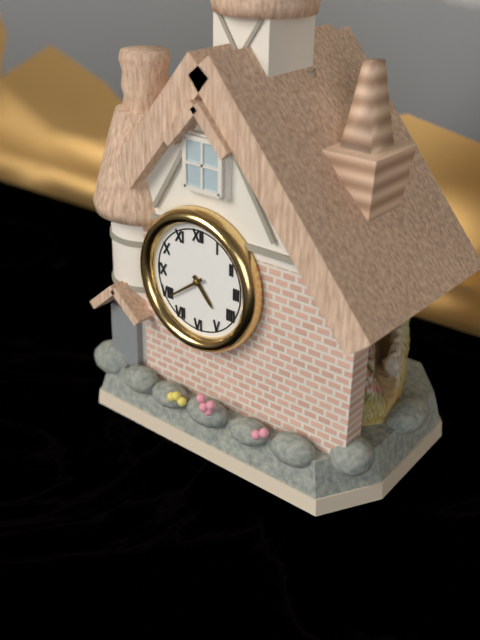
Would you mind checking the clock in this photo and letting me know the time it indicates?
4:39
